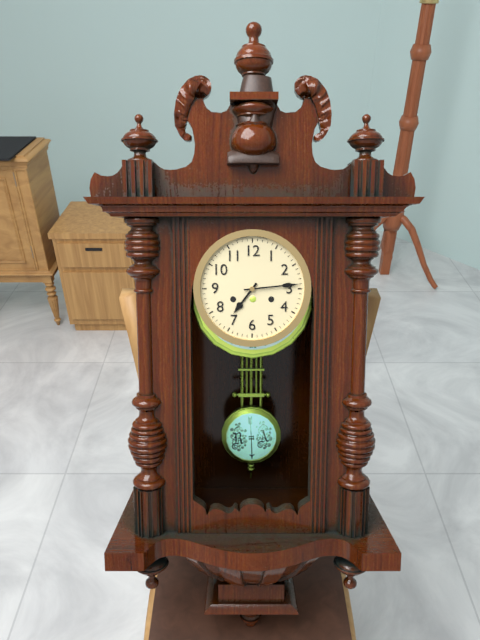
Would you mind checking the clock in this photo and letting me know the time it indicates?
7:14
